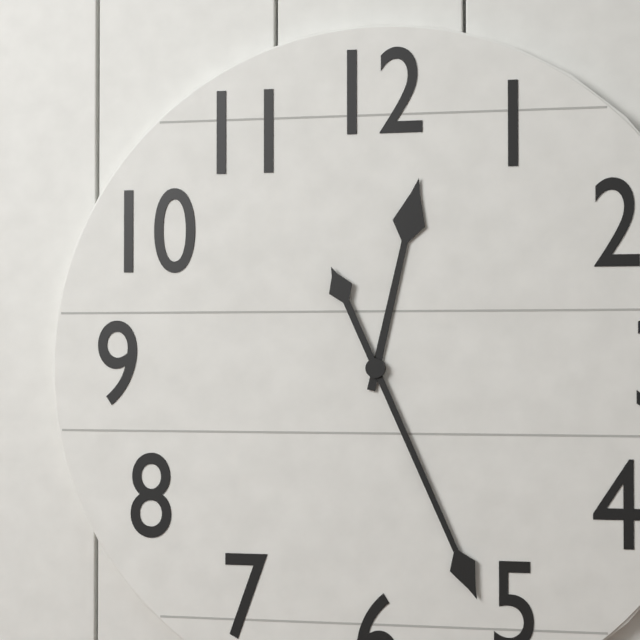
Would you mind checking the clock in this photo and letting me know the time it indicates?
12:26
